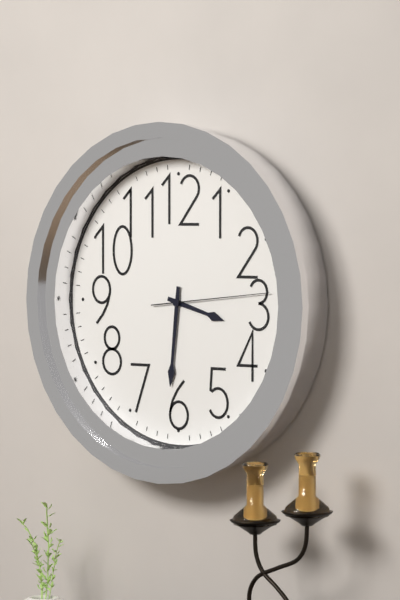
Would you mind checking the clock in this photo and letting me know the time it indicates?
3:31:14
